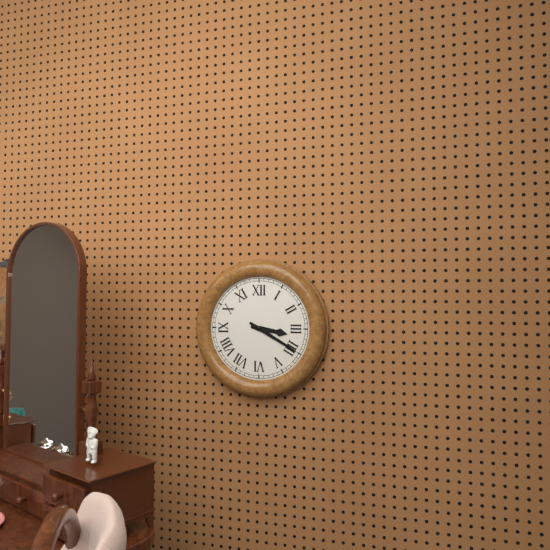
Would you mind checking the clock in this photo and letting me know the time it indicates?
3:20
